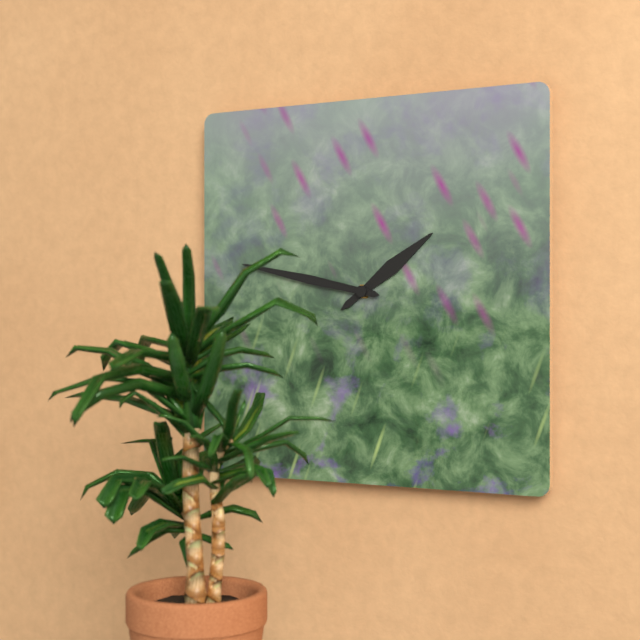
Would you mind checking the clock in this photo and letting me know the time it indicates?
1:47
